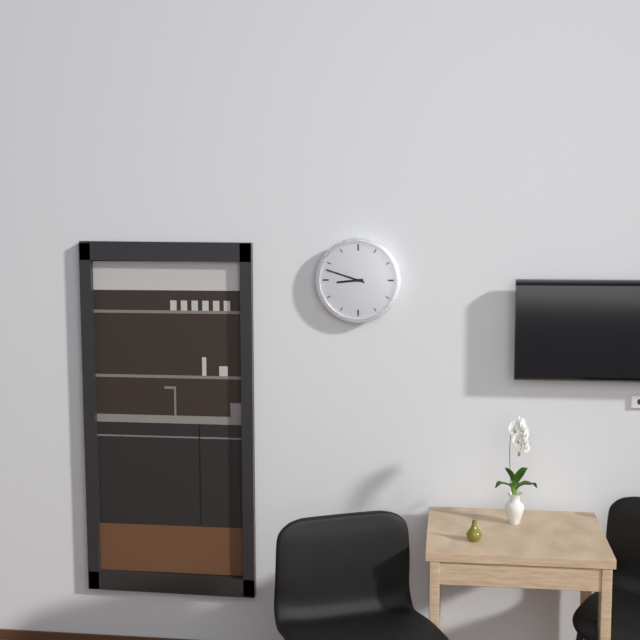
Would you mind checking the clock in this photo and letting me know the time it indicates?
8:48
